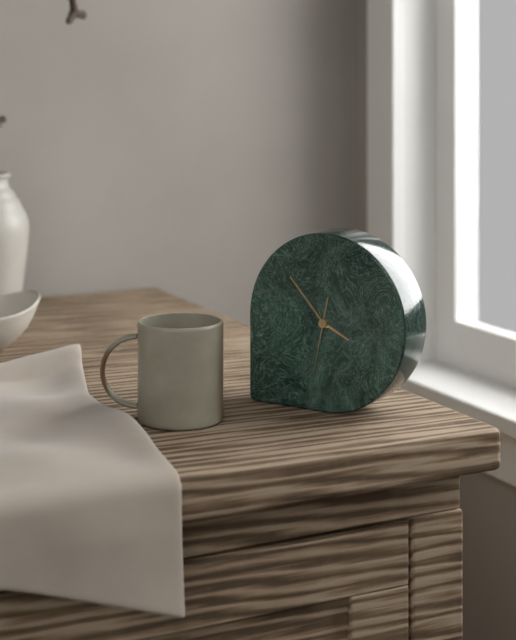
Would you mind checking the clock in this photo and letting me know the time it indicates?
3:53:32
